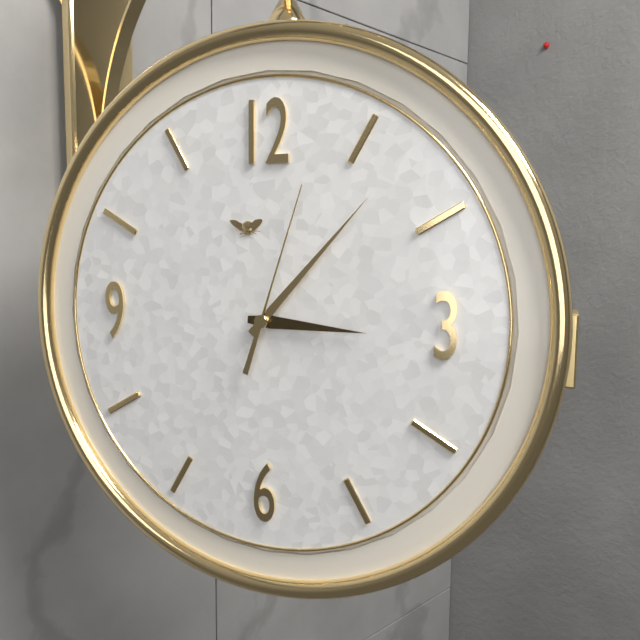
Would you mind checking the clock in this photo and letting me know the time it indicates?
3:07:03
